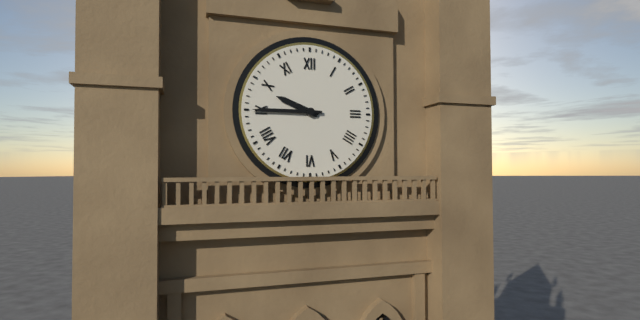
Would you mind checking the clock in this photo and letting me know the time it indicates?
9:45
